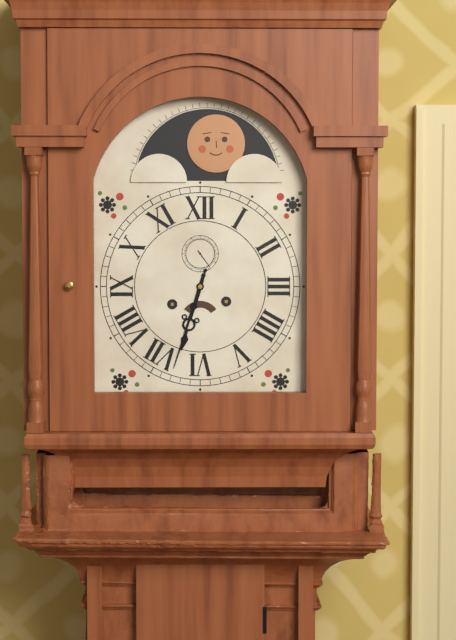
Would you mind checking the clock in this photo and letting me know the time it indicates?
6:33
